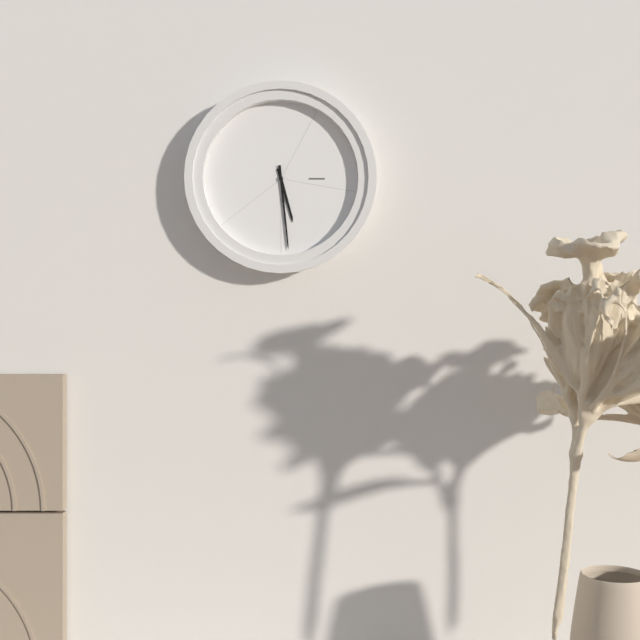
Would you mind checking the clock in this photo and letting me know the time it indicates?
5:29
